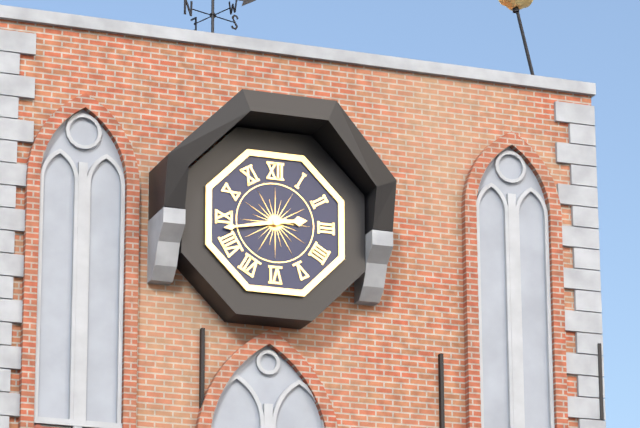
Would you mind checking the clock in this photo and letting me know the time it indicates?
2:43
